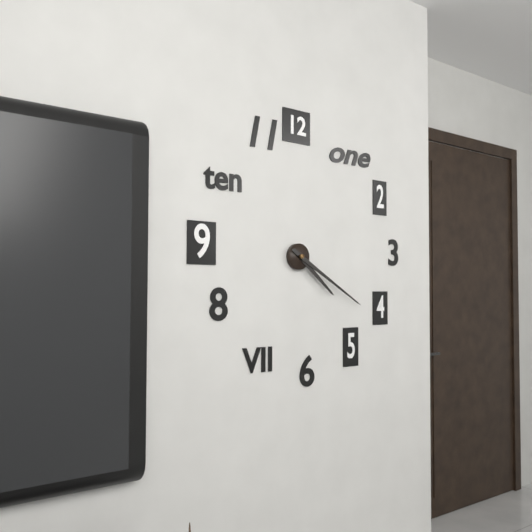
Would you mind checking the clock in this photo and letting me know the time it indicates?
4:20
